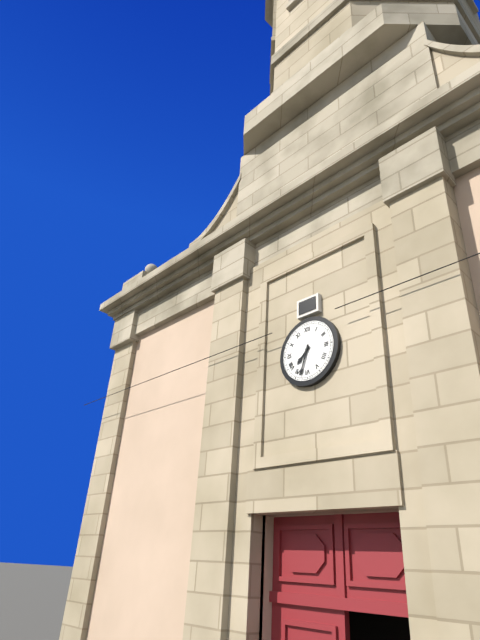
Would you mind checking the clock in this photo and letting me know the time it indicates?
7:33
